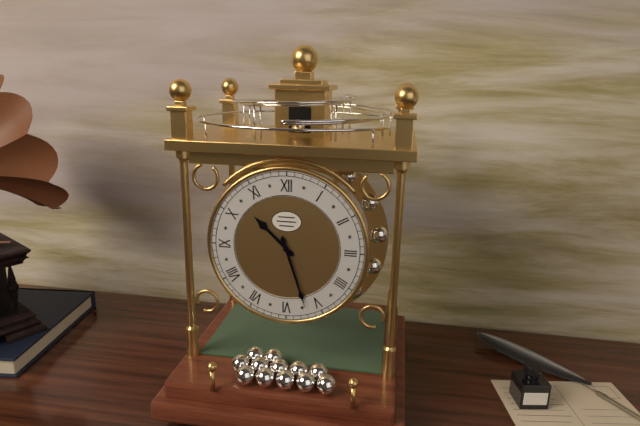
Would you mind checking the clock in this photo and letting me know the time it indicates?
10:27
